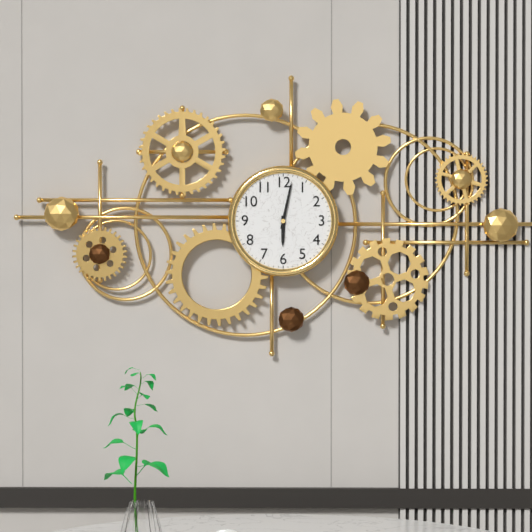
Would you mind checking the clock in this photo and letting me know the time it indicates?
6:02
